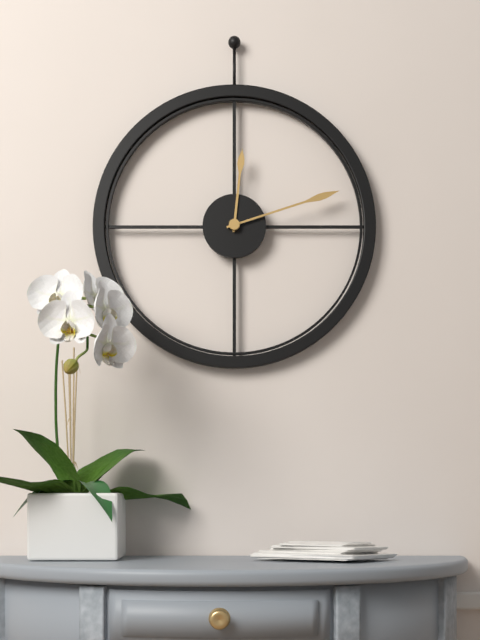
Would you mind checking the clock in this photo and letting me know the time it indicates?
12:12
